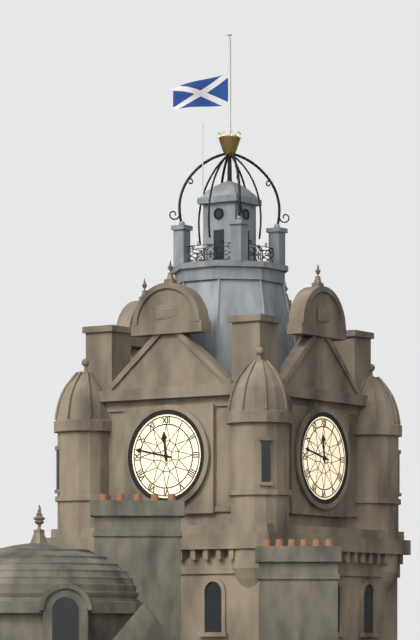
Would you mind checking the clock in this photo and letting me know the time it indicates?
11:47
